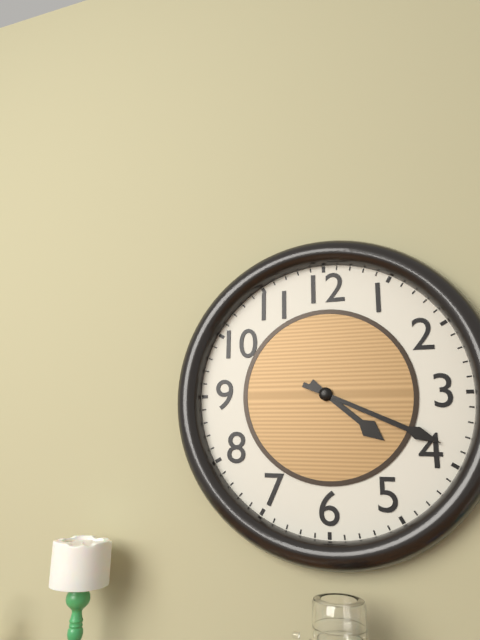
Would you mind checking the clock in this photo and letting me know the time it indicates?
4:19
